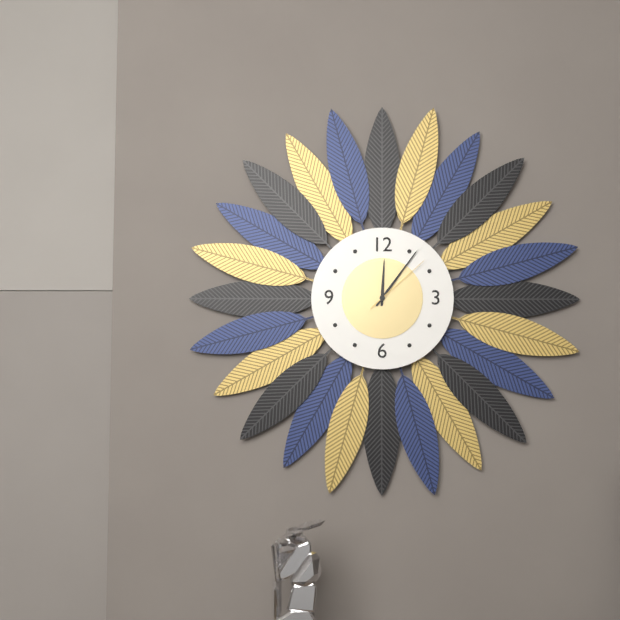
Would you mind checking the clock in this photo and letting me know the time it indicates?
12:06:08
